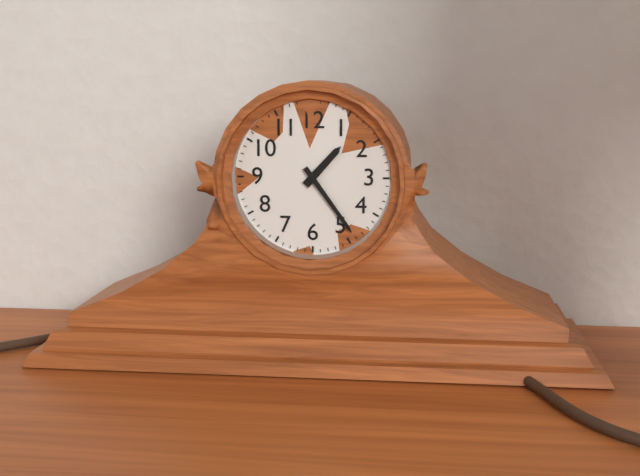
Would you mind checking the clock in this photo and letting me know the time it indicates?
1:24
